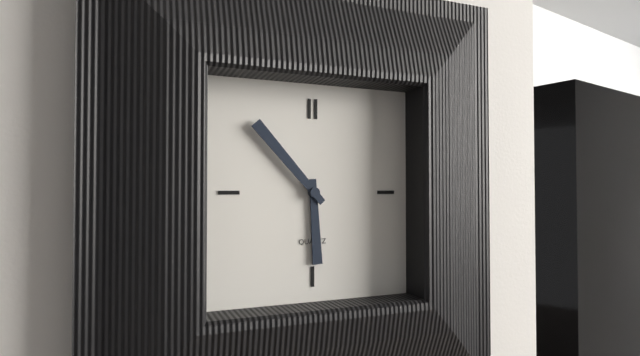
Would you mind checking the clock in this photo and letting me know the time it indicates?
5:53
